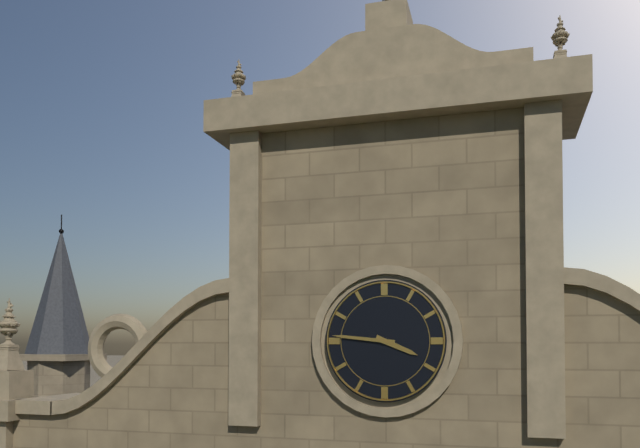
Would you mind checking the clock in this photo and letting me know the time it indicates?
3:46
